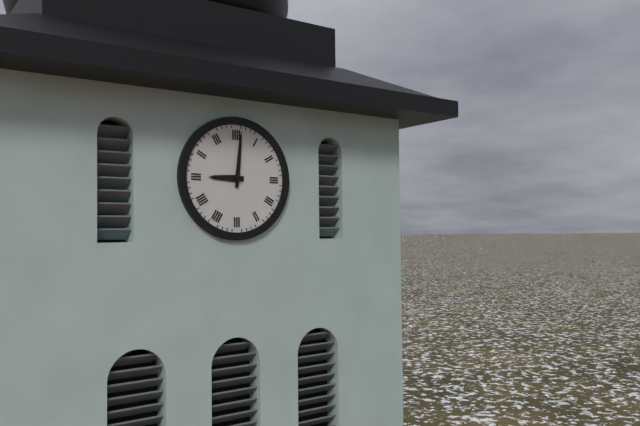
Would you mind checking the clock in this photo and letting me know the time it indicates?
9:01
